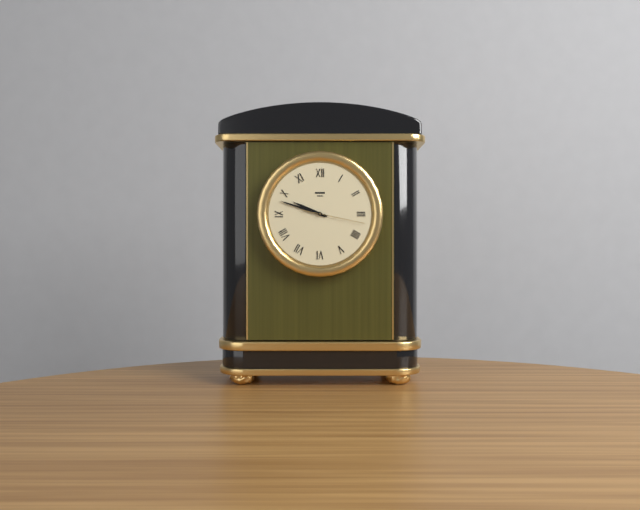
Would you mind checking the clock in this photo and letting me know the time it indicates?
9:48:17
